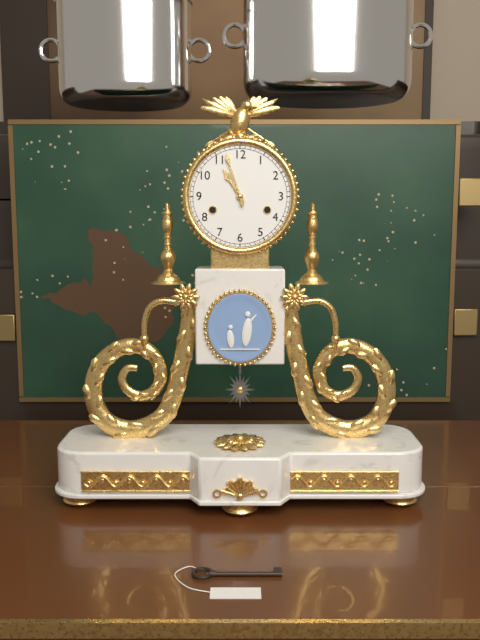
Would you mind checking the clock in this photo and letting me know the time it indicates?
10:57
